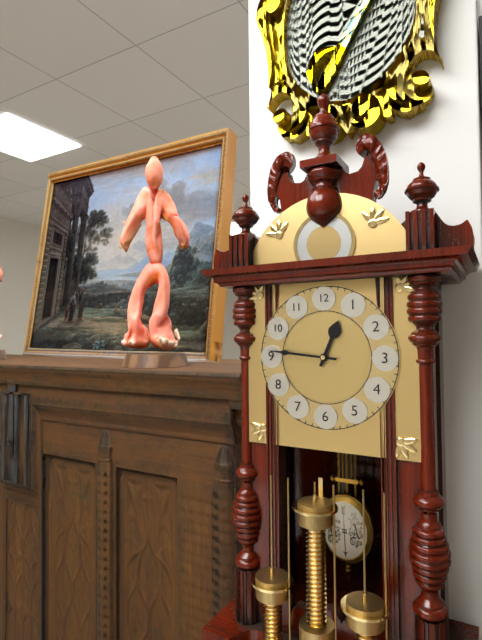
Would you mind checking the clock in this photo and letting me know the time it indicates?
12:46
